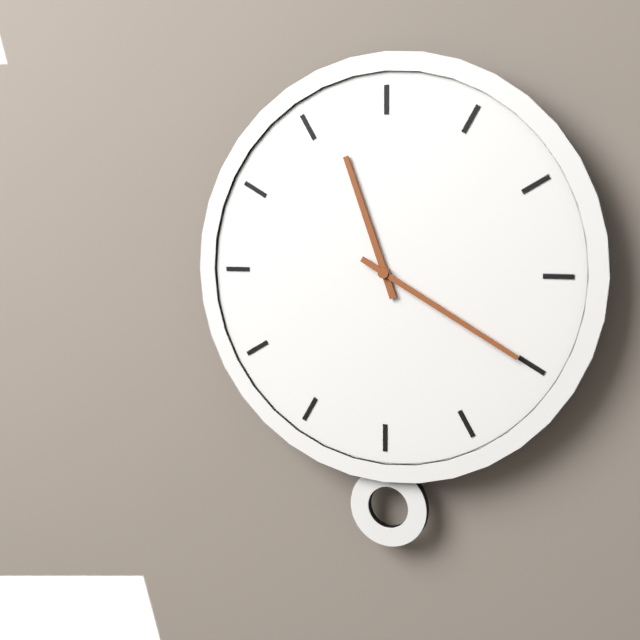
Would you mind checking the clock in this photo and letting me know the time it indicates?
11:20
